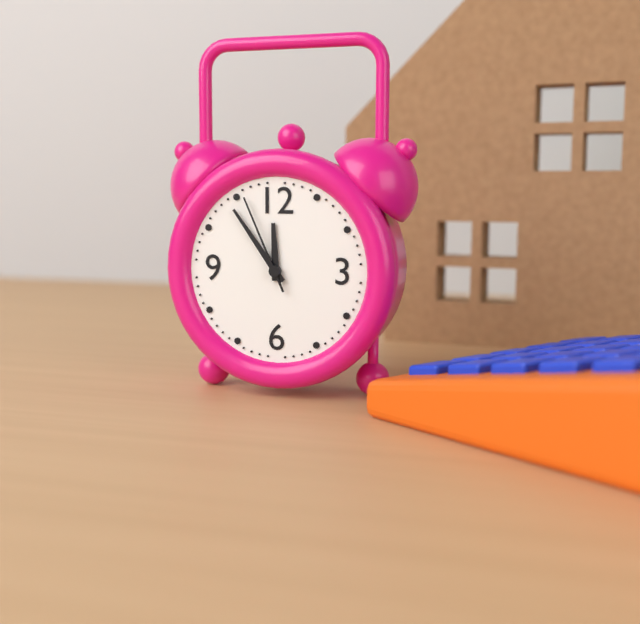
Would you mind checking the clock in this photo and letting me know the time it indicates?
11:54:56
